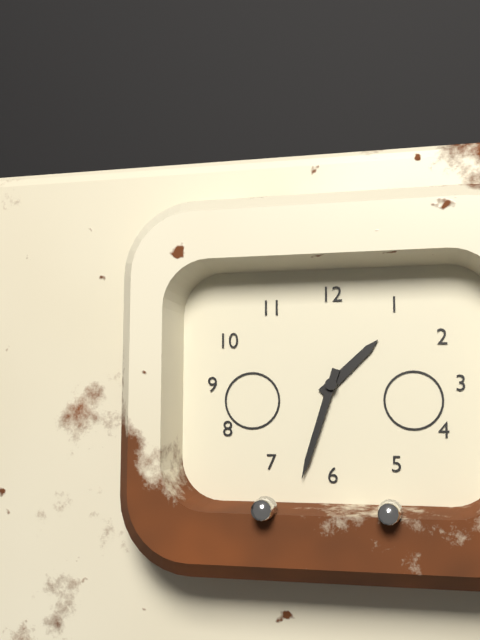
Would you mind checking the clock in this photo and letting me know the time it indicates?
1:33
